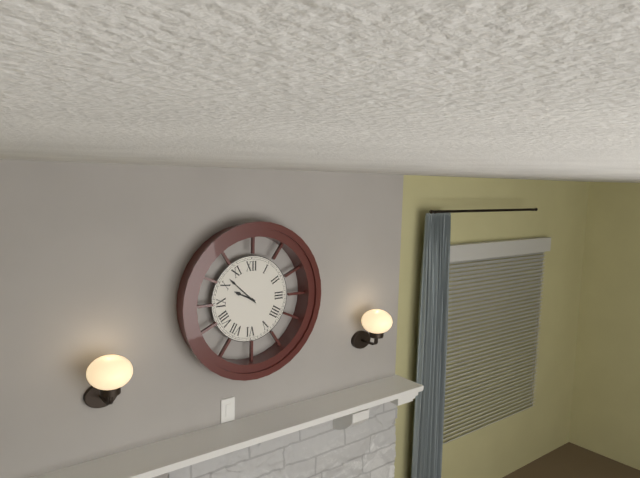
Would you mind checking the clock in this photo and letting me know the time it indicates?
9:52
